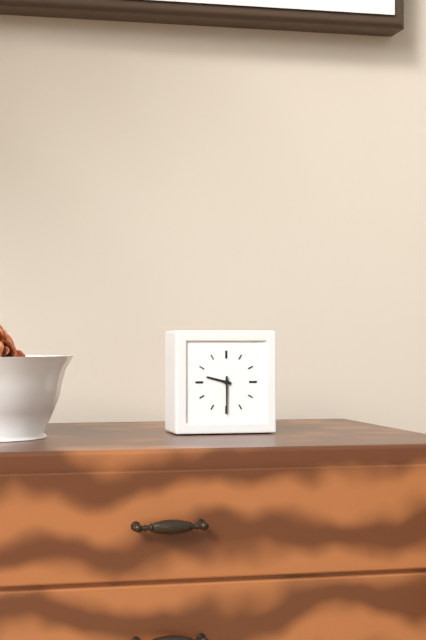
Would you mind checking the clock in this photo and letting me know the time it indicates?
9:30
